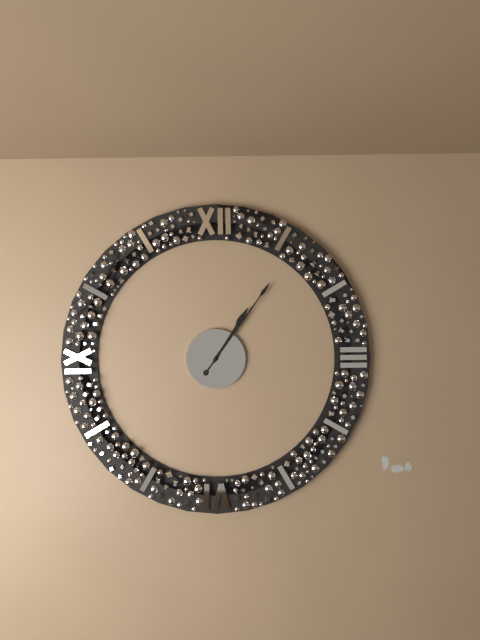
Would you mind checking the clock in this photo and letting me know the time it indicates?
1:06
